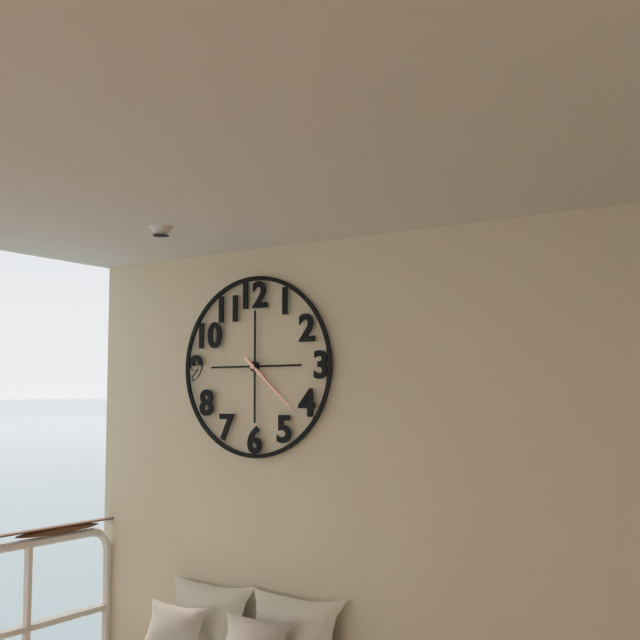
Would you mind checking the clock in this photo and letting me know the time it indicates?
4:22
